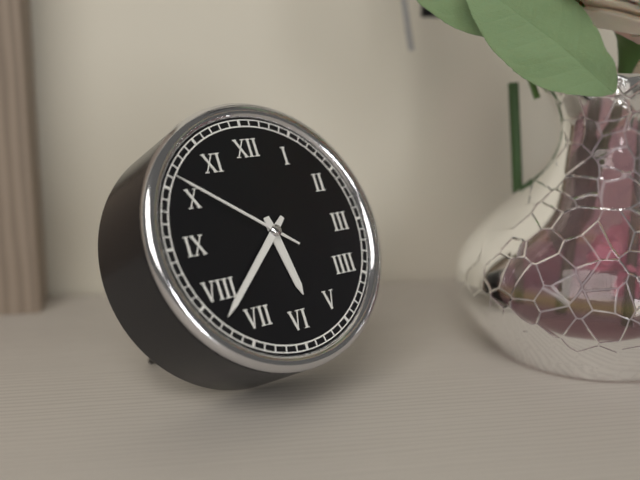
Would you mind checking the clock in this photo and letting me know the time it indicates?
5:38:51
